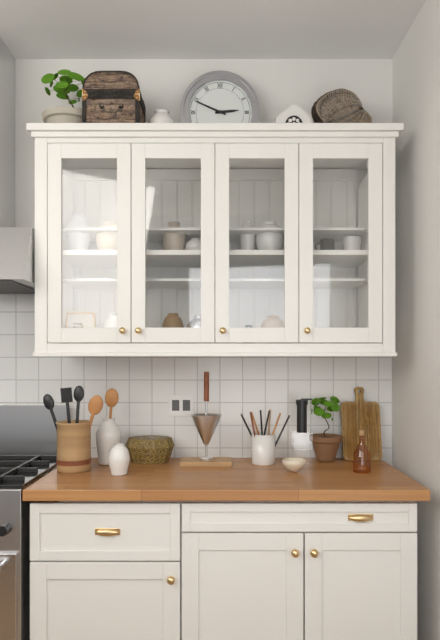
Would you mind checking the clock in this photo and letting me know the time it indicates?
2:49
